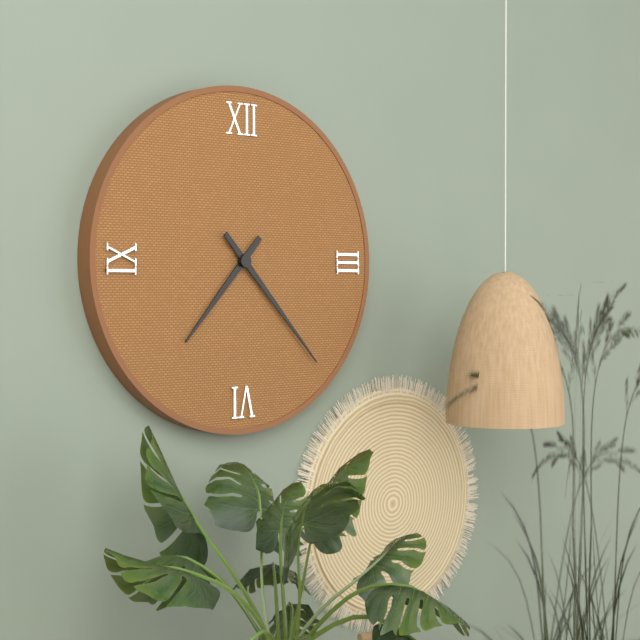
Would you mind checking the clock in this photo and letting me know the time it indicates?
7:23
